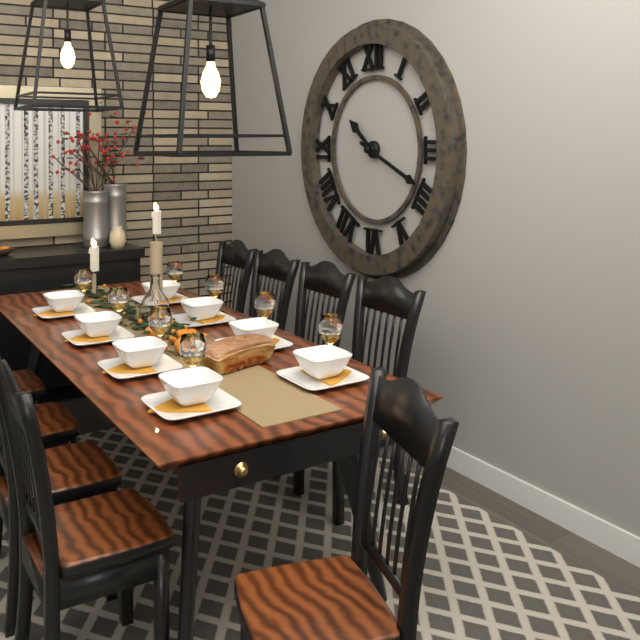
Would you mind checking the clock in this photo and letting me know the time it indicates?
10:19
